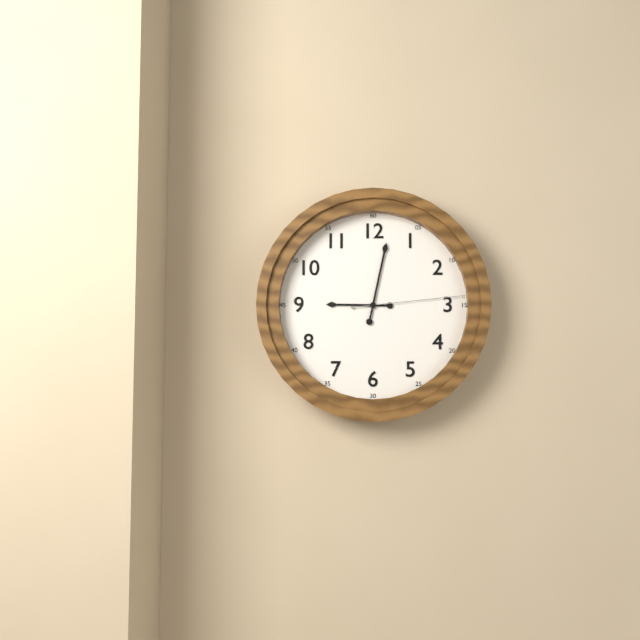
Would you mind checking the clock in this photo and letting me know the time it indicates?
9:02:14
